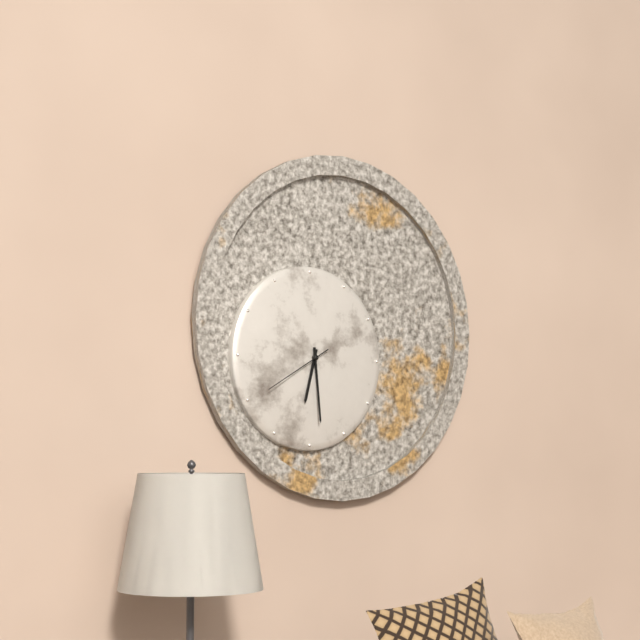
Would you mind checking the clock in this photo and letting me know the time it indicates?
6:29:40
